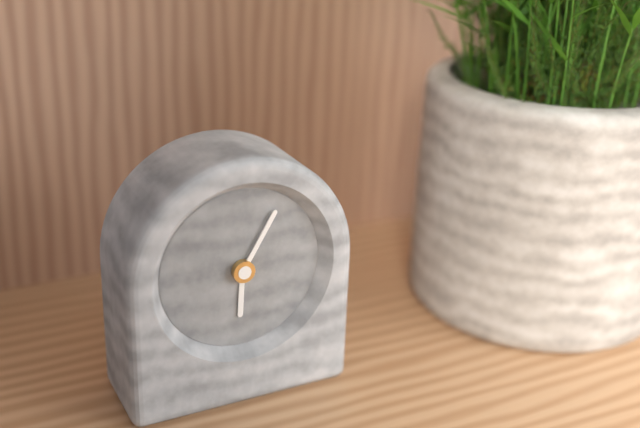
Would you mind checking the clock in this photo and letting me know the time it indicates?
6:05
